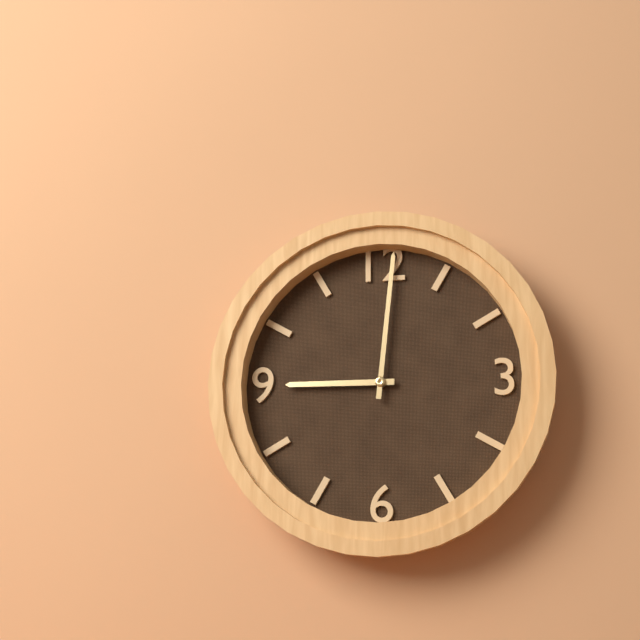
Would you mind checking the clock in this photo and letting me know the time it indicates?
9:01
